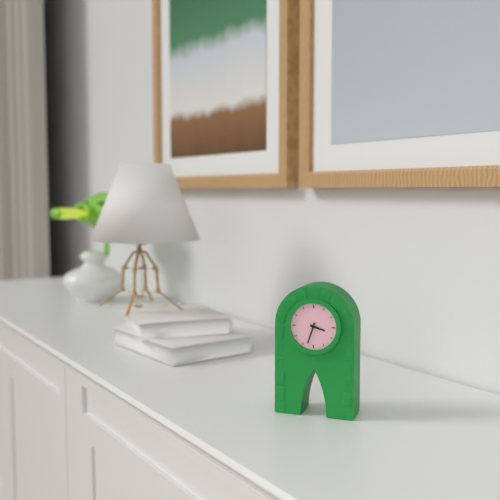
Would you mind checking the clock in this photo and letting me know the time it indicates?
3:33
